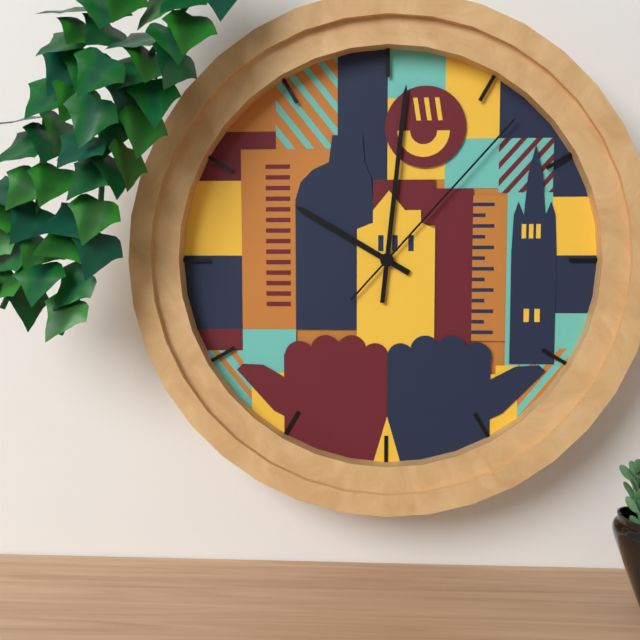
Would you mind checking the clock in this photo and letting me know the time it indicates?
10:01:07
